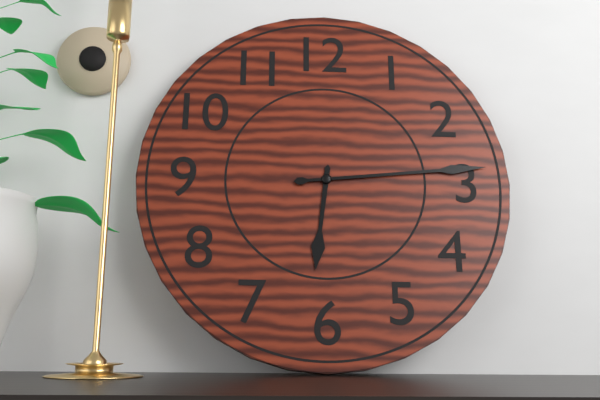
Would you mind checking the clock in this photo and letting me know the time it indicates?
6:14
